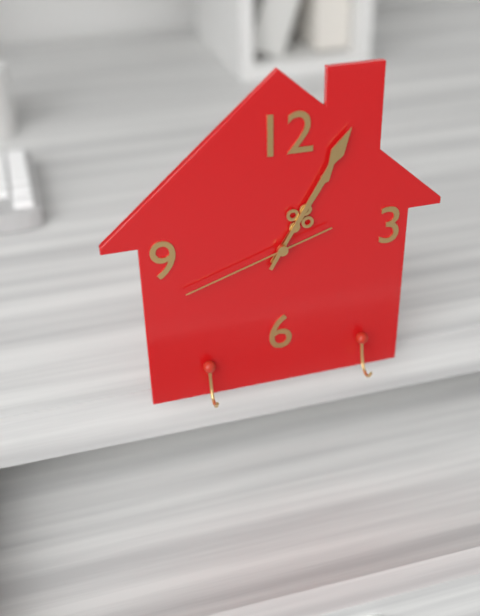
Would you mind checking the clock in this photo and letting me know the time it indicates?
1:05:42
